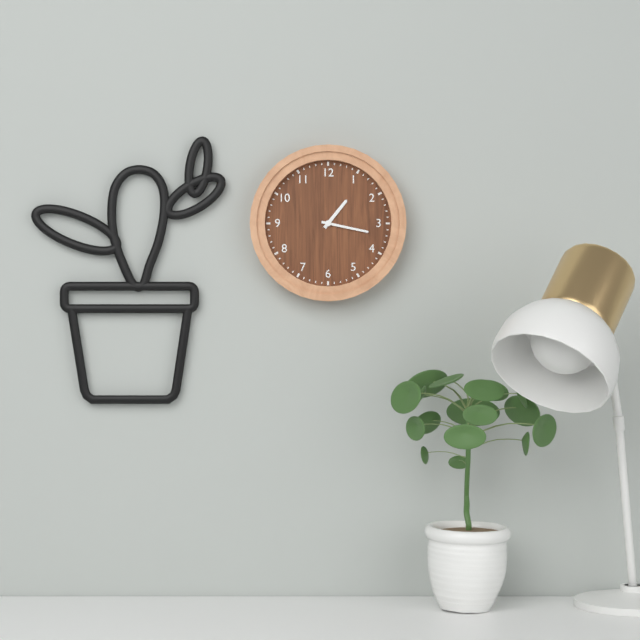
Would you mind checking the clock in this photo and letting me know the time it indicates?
1:17
